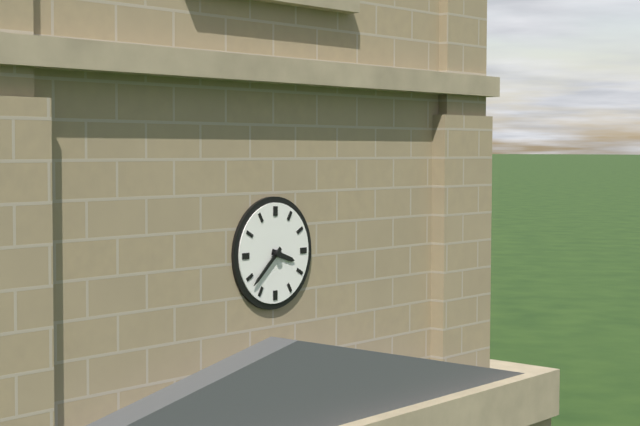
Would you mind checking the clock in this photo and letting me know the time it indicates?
3:38
